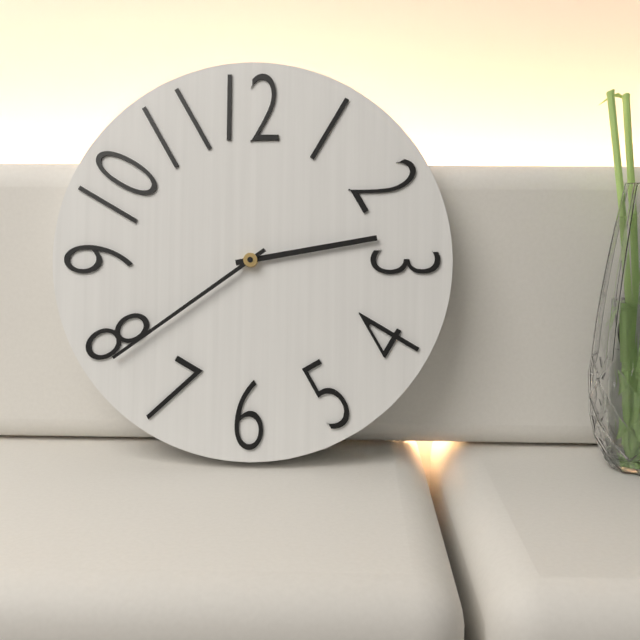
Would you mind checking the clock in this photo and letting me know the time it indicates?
2:39
